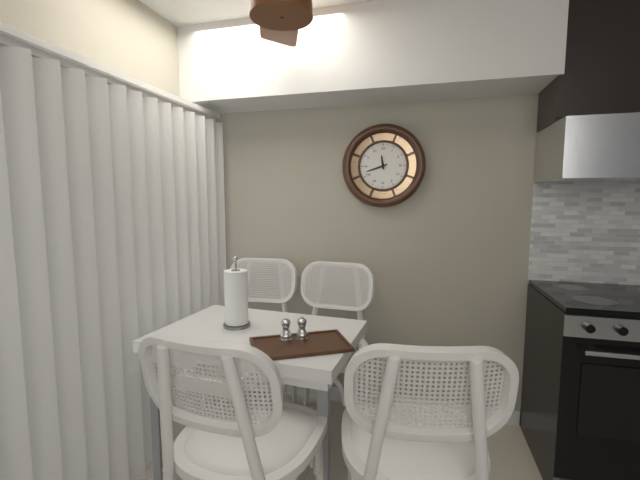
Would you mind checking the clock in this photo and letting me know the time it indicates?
11:42
